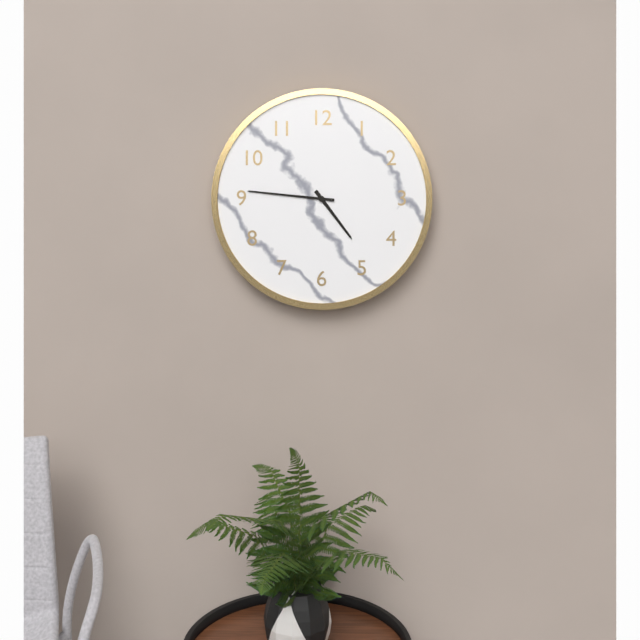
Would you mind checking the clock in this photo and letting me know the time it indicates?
4:46
